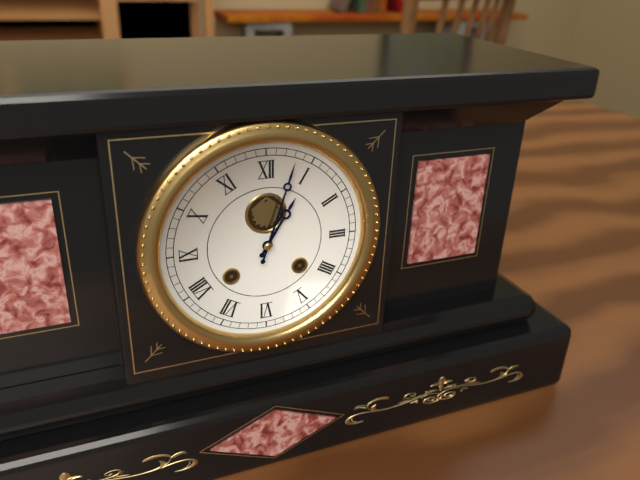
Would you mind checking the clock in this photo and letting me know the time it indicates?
1:03
